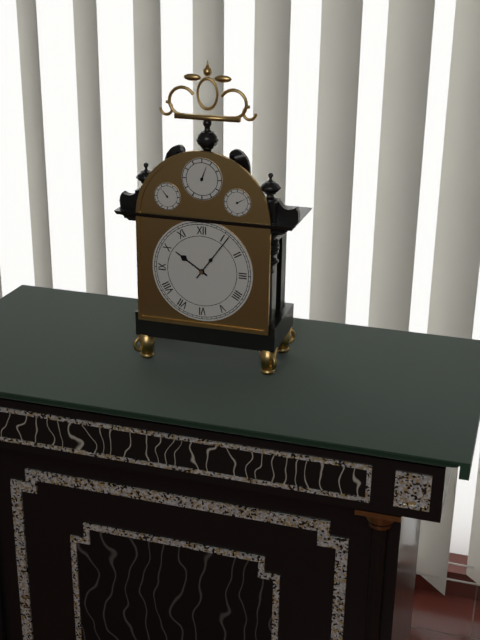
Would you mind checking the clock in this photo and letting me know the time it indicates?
10:06
